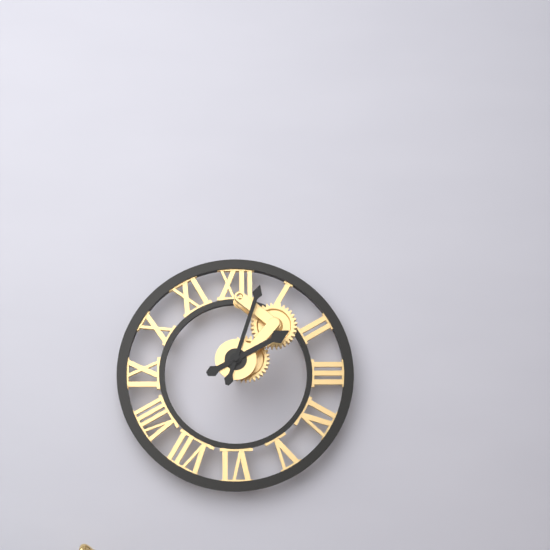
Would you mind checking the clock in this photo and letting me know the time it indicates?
2:03
